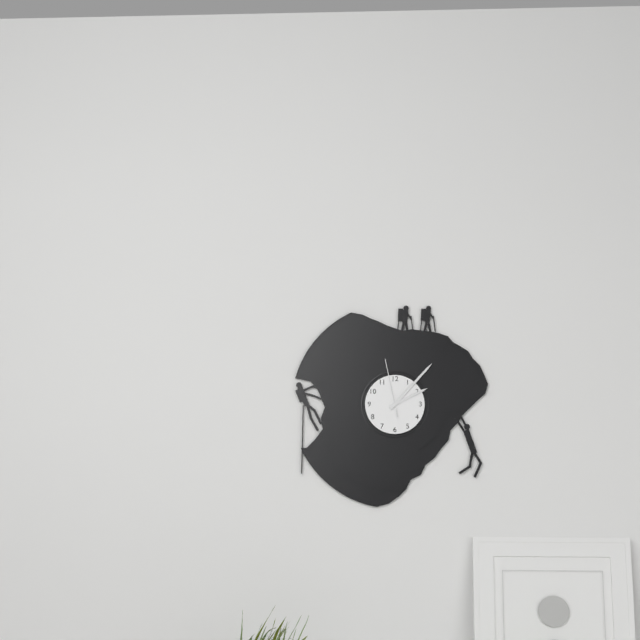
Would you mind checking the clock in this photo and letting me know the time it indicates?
2:07:58
